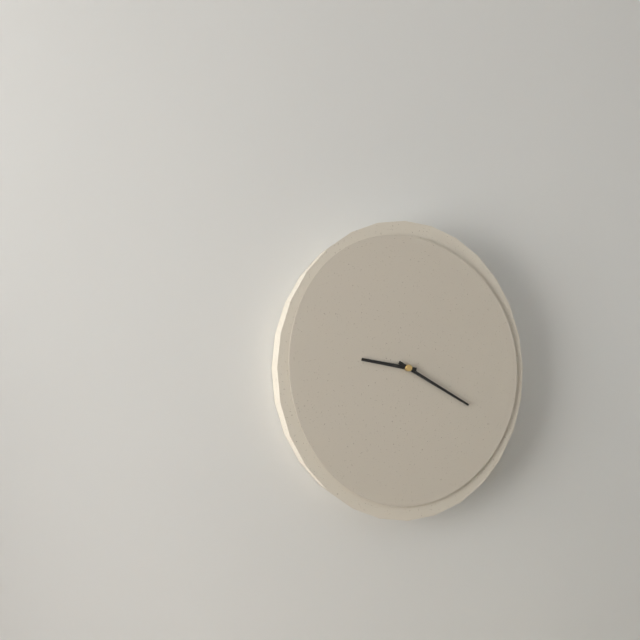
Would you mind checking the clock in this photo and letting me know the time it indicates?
9:20
